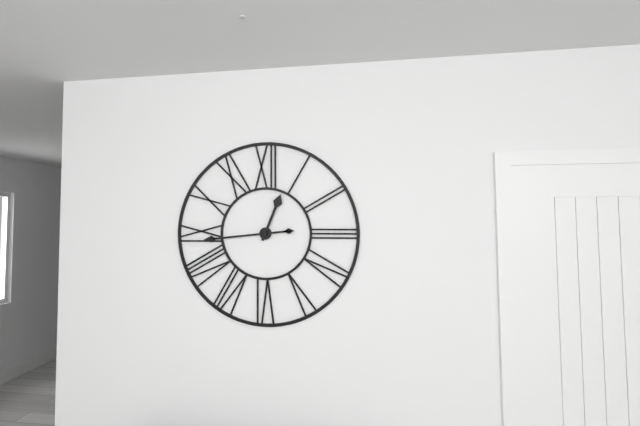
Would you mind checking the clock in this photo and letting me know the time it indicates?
12:44
